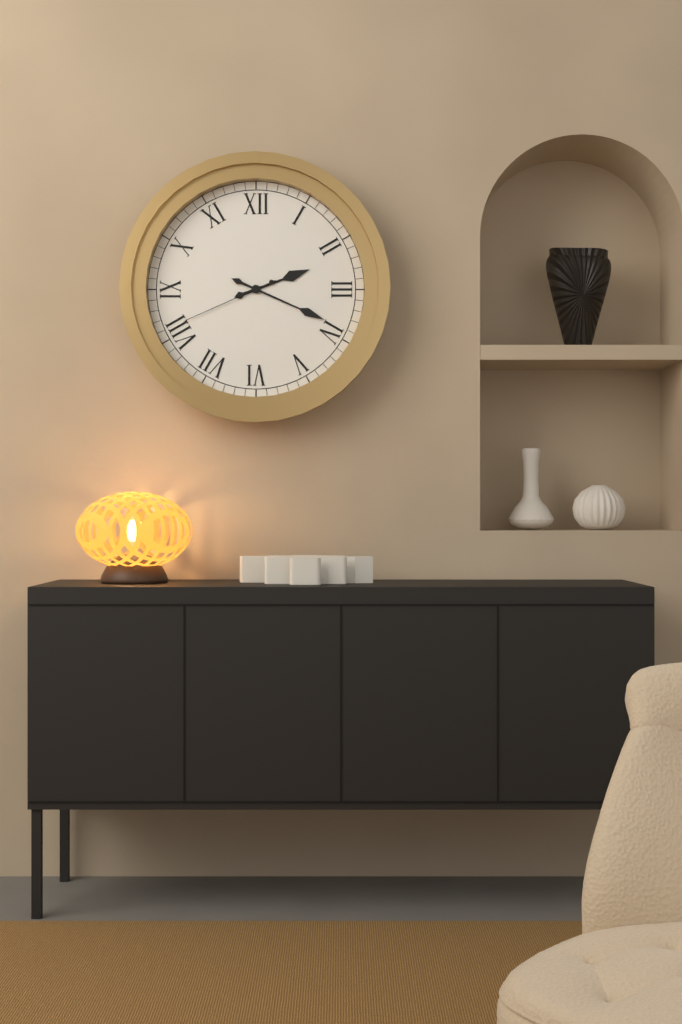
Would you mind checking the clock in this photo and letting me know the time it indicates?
2:19:41
